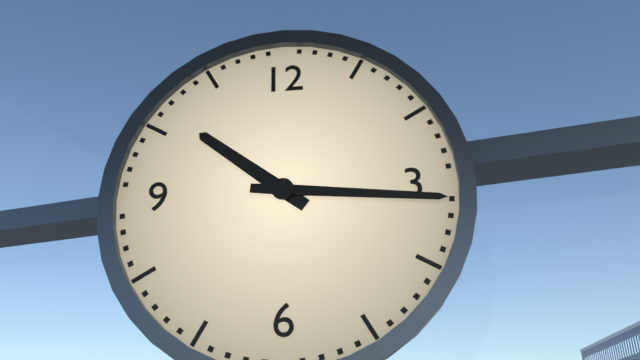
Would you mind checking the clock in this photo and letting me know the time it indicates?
10:16
